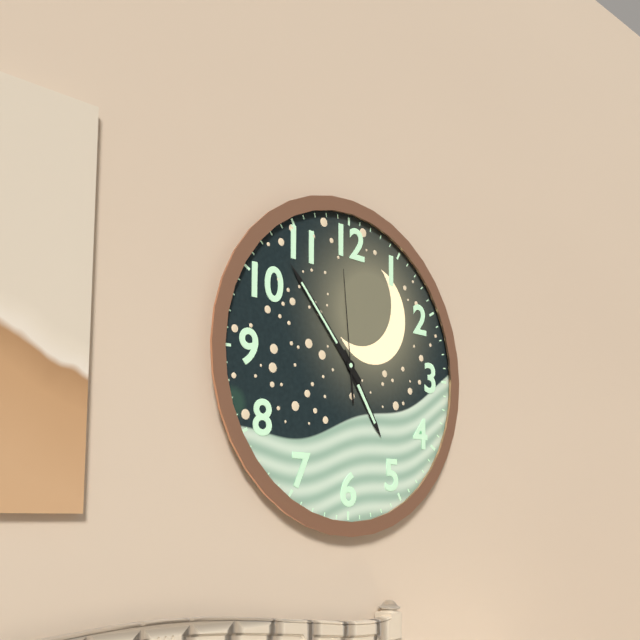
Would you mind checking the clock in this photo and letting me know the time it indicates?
4:53:59
